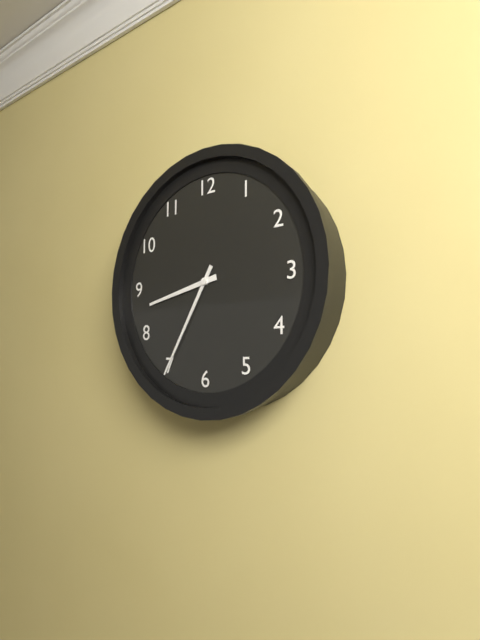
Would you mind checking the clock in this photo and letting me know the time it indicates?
8:35
